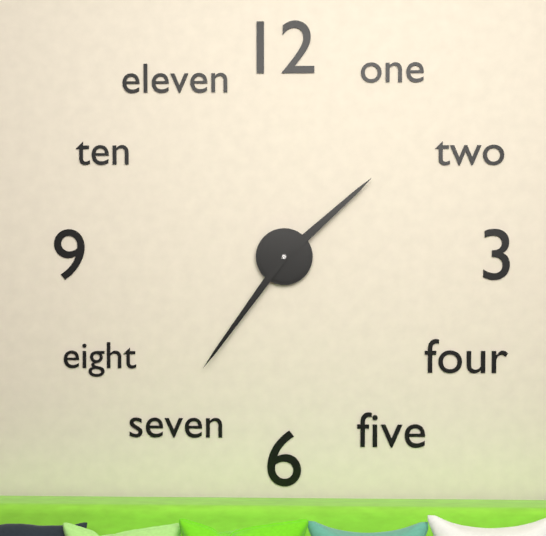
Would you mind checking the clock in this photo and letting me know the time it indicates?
1:36
